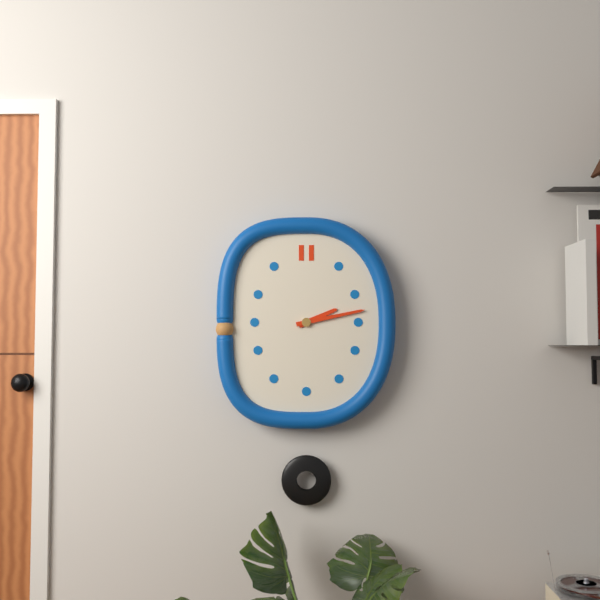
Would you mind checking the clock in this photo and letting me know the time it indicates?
2:13
